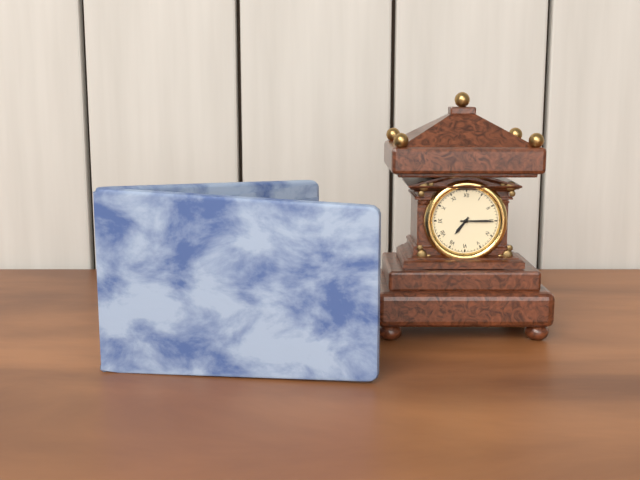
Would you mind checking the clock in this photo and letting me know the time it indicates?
7:15
